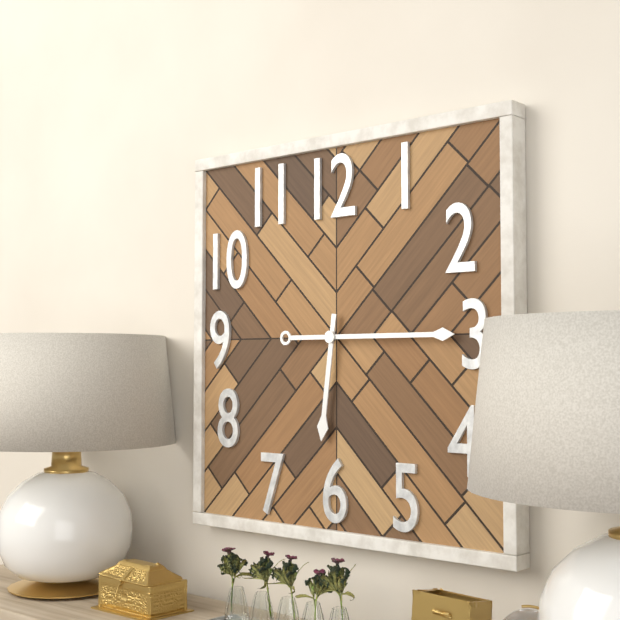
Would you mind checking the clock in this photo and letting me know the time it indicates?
6:15
